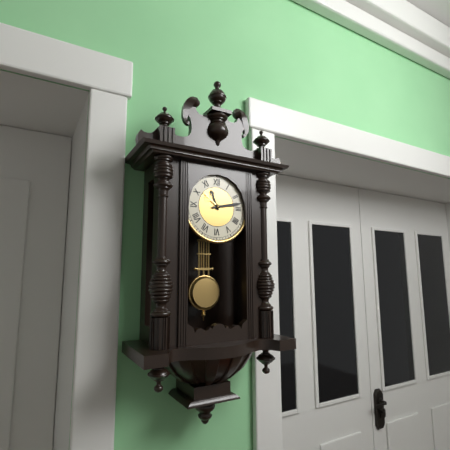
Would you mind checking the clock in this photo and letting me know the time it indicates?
11:13
